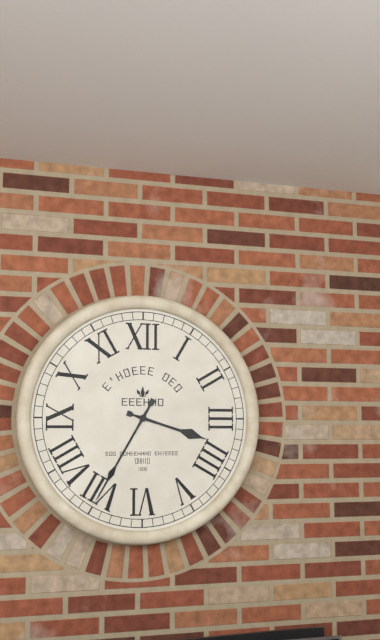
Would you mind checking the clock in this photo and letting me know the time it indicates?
3:35
